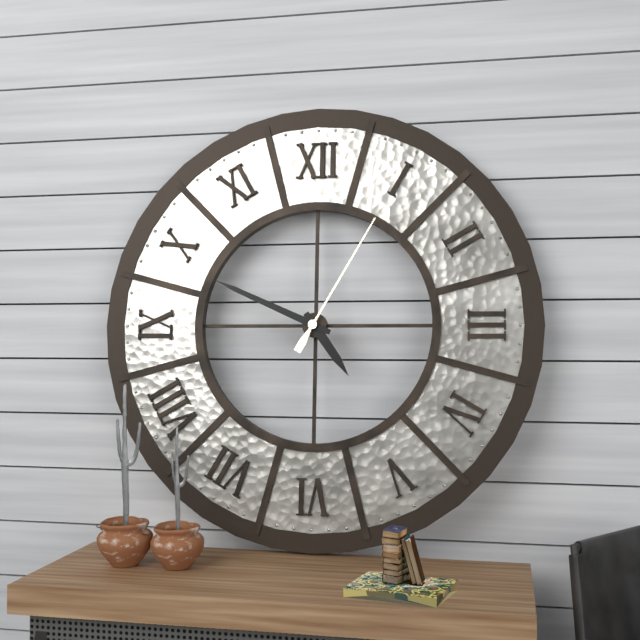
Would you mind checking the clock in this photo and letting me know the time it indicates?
4:49:05
